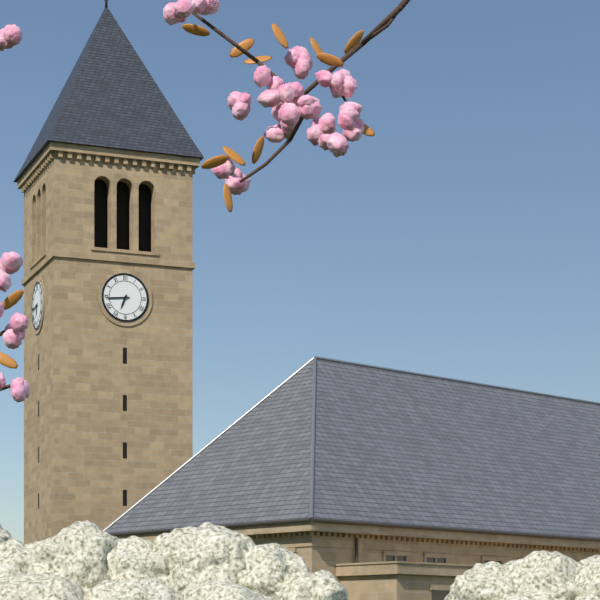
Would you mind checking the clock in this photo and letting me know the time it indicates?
6:44
